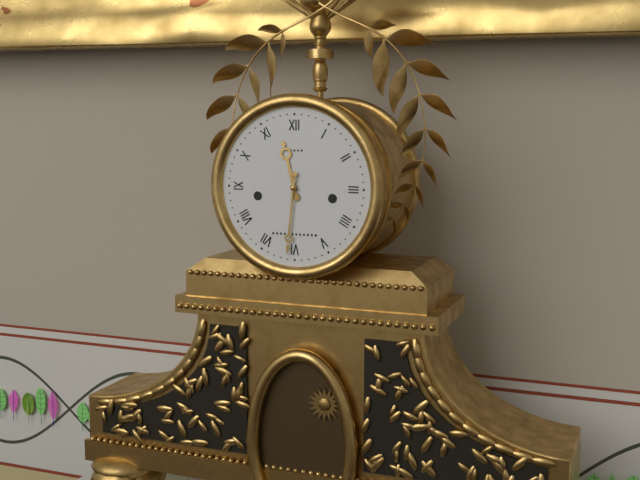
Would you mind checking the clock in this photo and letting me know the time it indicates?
11:31
